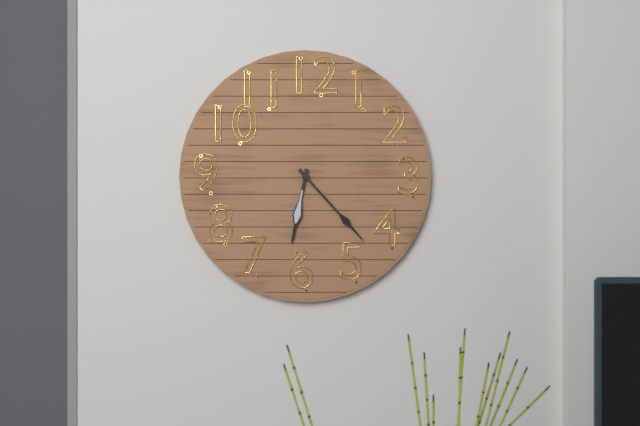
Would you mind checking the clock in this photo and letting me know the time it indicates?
6:23
